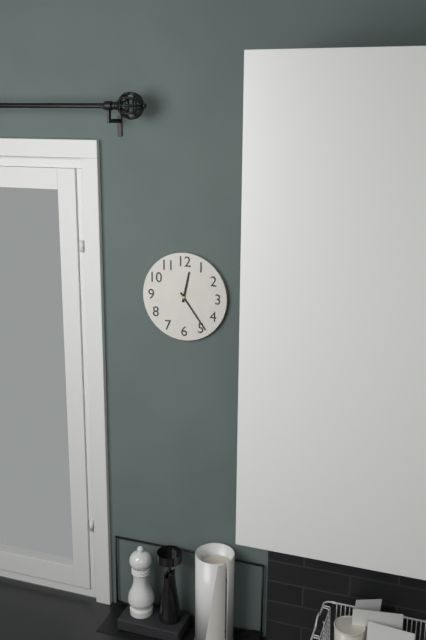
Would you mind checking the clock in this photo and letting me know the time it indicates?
12:24
